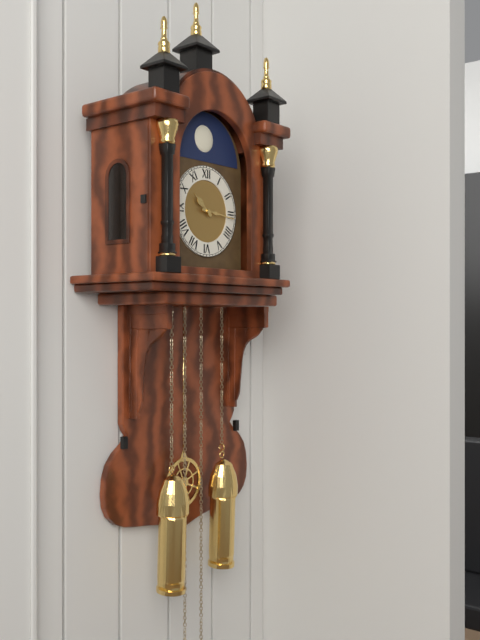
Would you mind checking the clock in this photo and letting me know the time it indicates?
10:16
